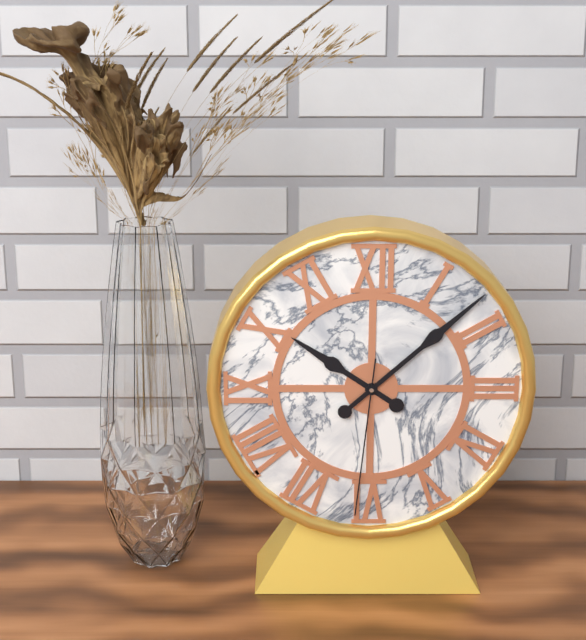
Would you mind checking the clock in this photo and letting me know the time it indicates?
10:08:31
